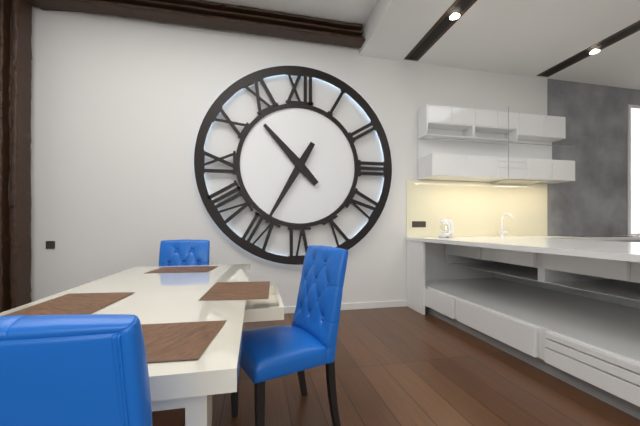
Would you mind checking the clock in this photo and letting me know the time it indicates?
10:35
